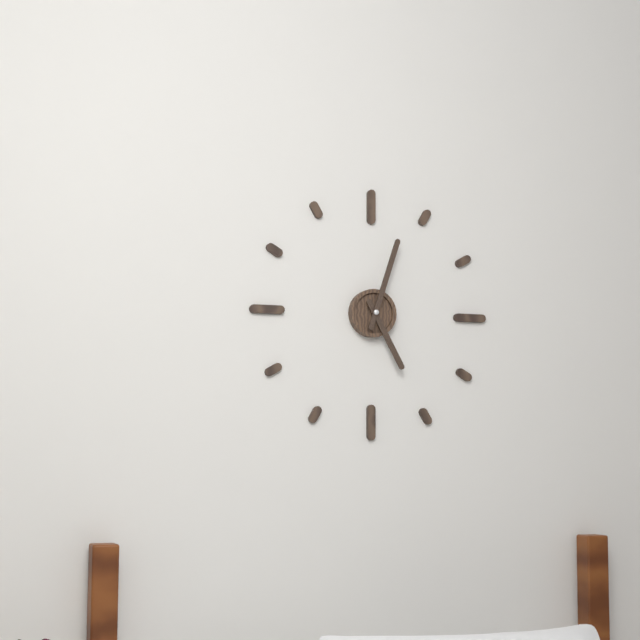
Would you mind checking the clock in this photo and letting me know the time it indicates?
5:03
